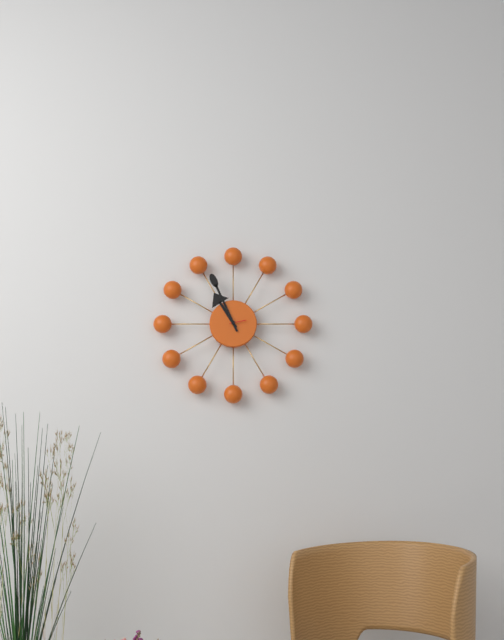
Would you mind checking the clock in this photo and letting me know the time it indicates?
10:56
